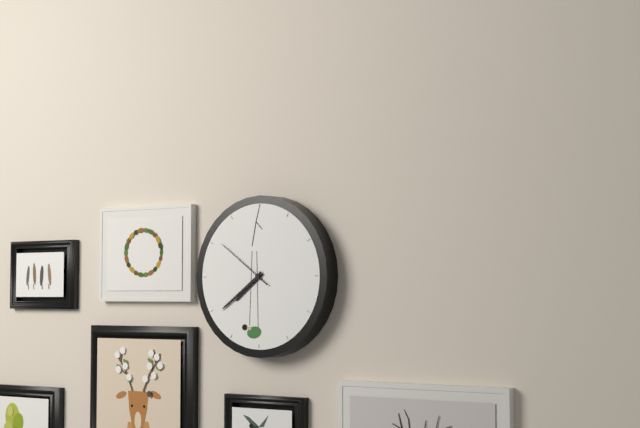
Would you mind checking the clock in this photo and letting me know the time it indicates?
7:39:51
